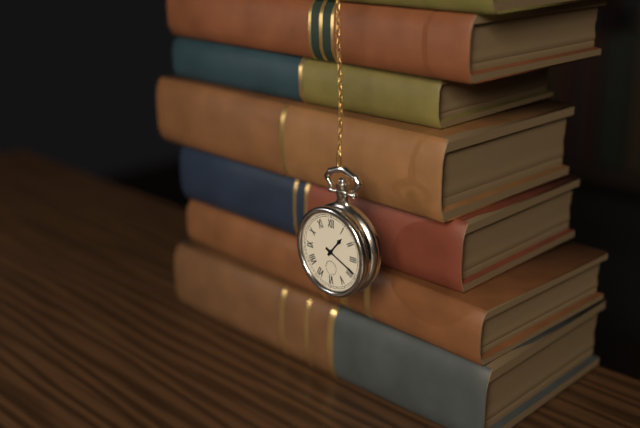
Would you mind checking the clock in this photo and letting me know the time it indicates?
1:19
